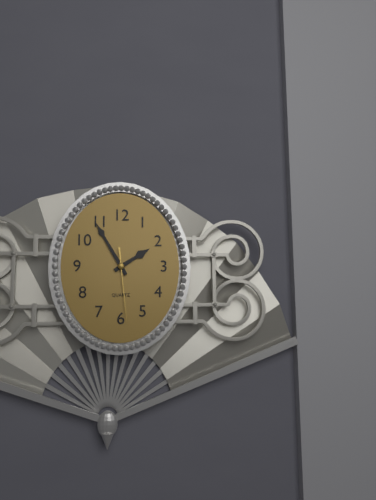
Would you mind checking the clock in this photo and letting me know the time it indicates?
1:55:29
